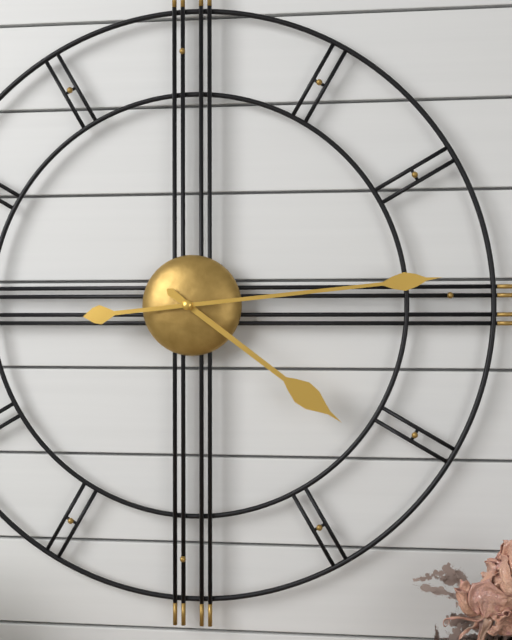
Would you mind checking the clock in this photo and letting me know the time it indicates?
4:14
